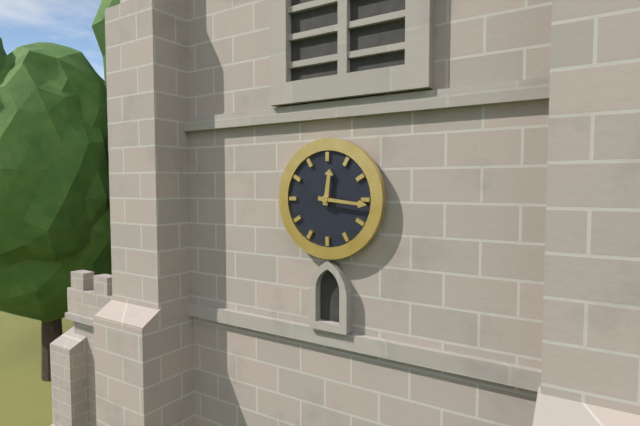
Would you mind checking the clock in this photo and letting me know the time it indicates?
12:16
